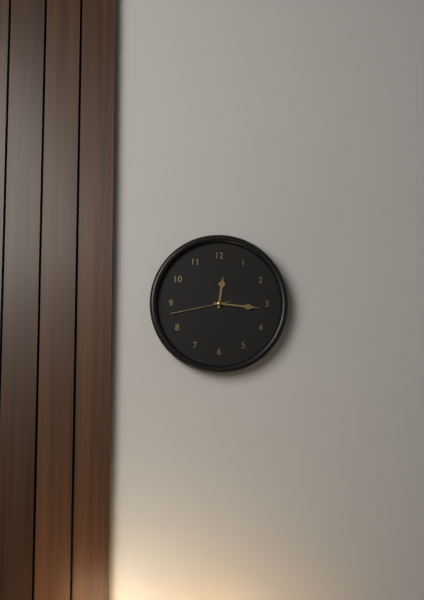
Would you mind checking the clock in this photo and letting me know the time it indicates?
12:16:43
